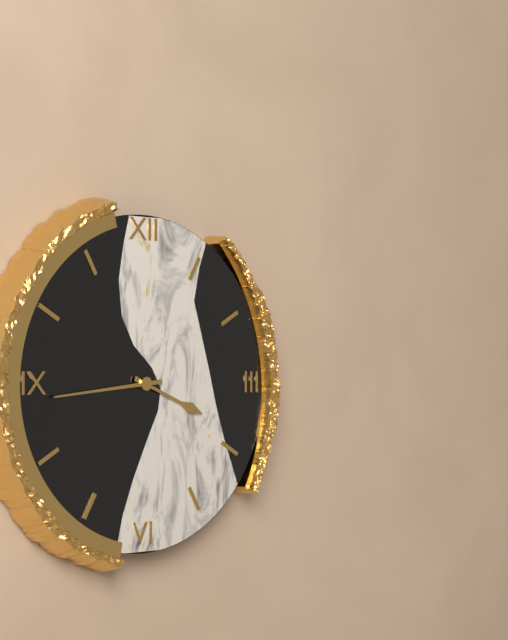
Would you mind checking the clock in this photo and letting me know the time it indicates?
3:44
